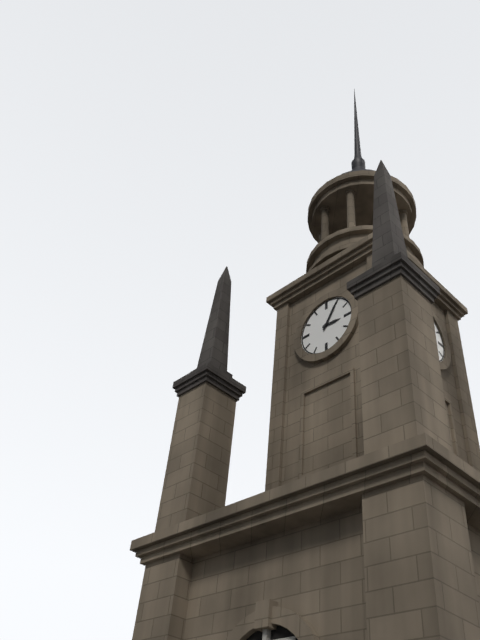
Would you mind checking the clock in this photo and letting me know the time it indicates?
3:05
